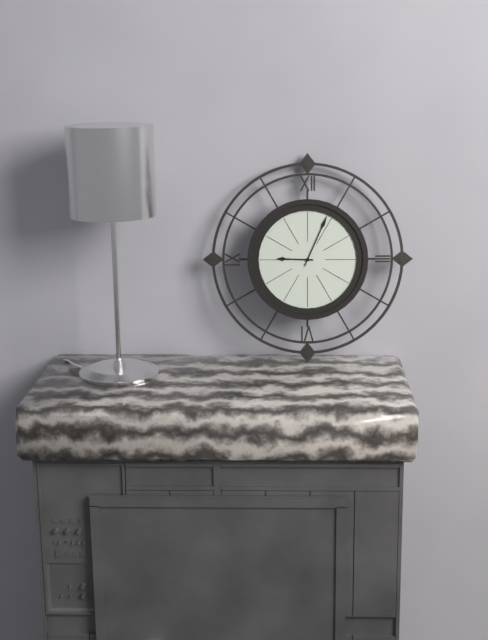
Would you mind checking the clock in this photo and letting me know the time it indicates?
9:04
